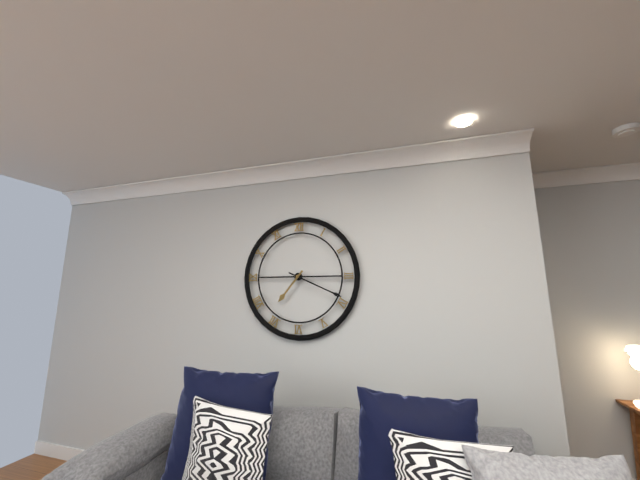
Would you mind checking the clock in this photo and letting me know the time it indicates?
7:19
